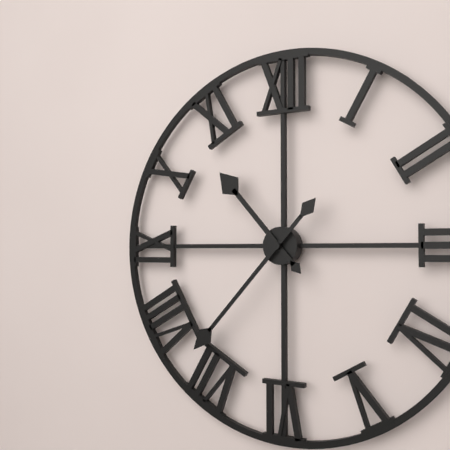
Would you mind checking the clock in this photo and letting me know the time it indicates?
10:37
